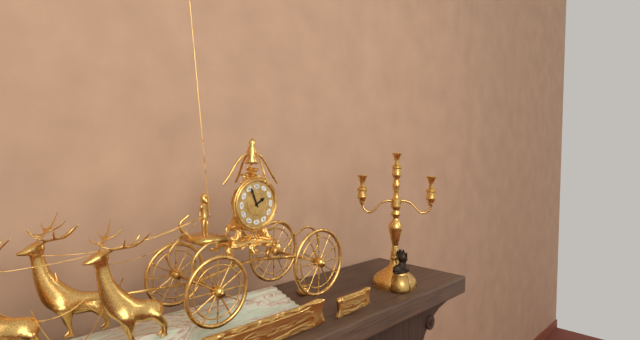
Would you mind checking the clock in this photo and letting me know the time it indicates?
1:56
